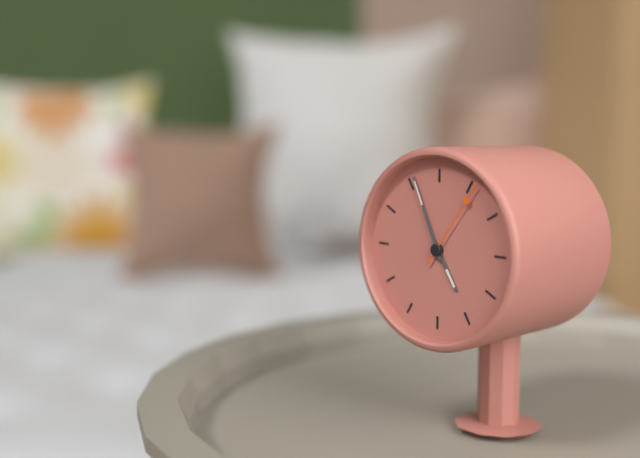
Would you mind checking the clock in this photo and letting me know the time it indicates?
4:56:06
